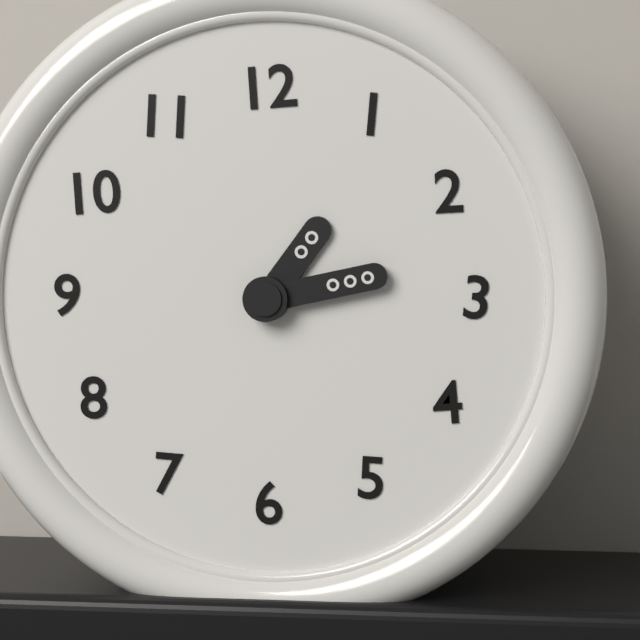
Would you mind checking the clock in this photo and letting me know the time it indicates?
1:13
